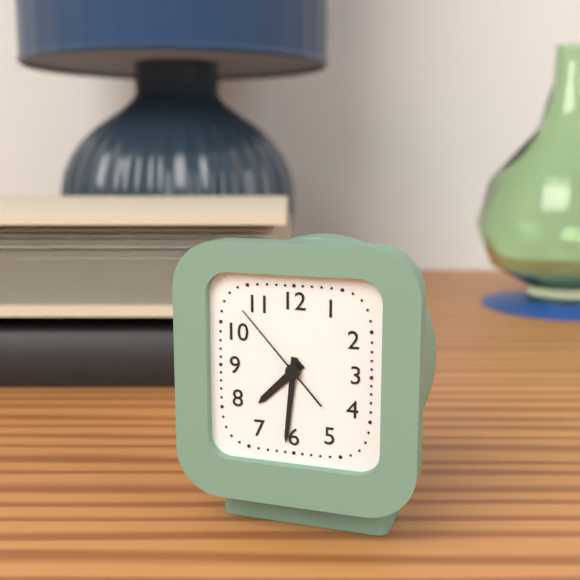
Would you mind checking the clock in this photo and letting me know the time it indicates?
7:31:53
